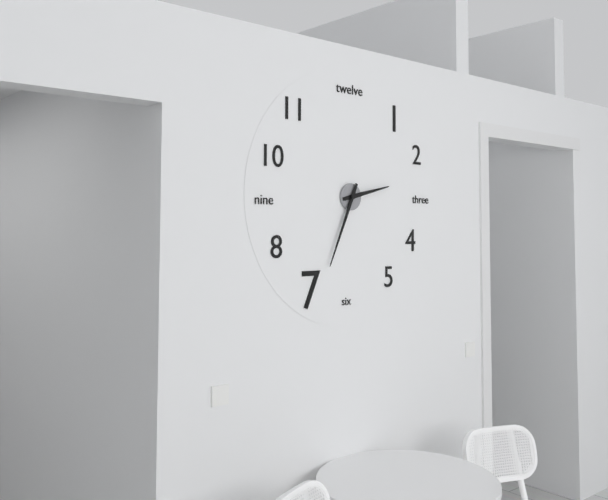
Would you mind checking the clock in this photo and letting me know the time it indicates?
2:34
